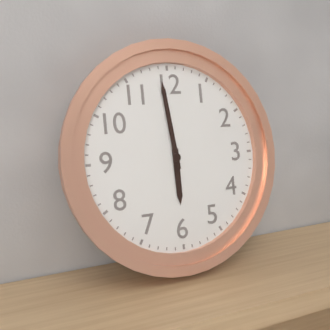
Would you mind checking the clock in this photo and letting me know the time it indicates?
5:59
